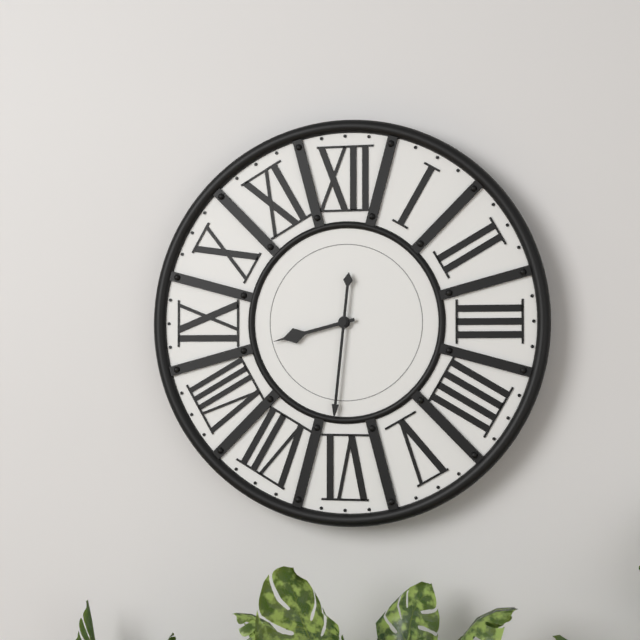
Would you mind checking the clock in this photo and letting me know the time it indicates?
8:31
